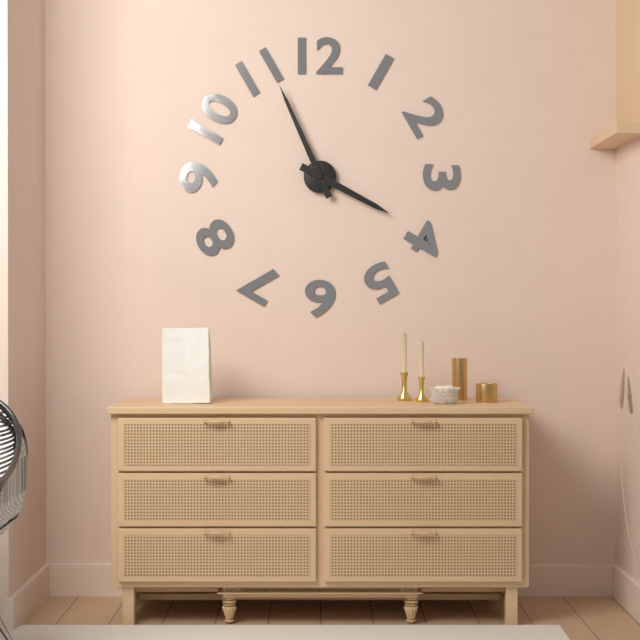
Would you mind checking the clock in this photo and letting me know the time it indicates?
3:56
